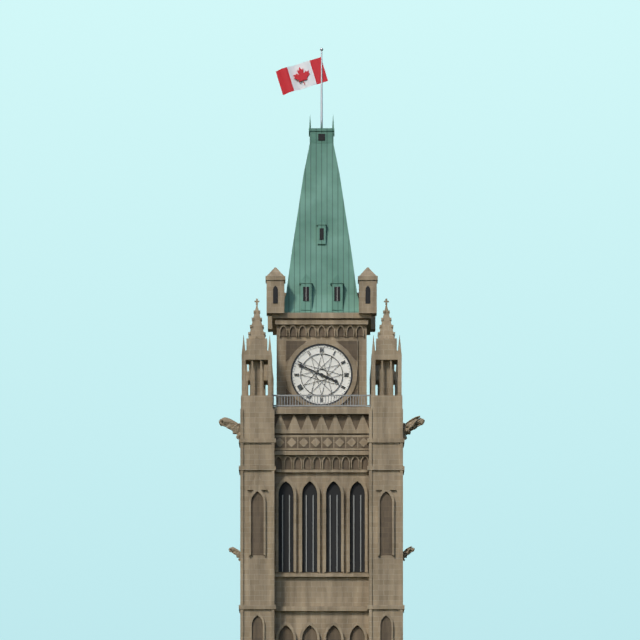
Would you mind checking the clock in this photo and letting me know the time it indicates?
3:49
